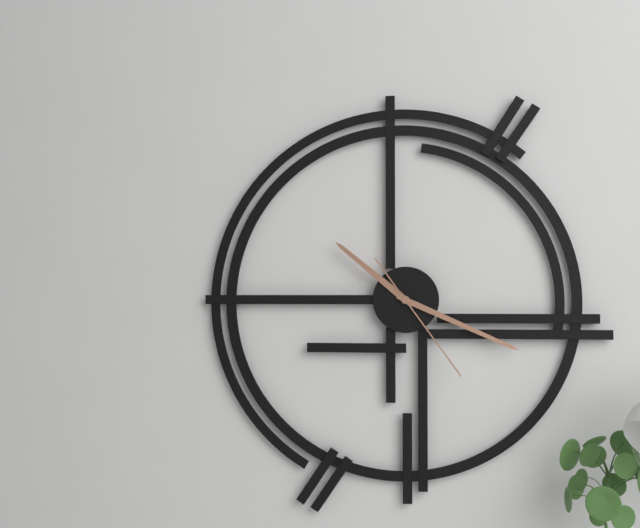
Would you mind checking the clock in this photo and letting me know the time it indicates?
10:19:24
